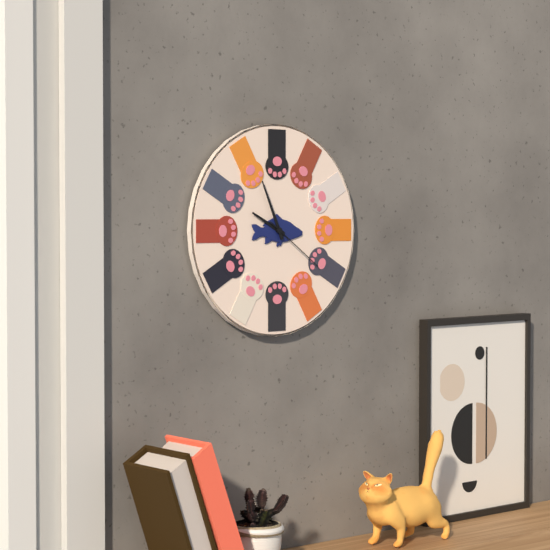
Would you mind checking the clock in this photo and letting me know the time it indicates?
9:56:21
